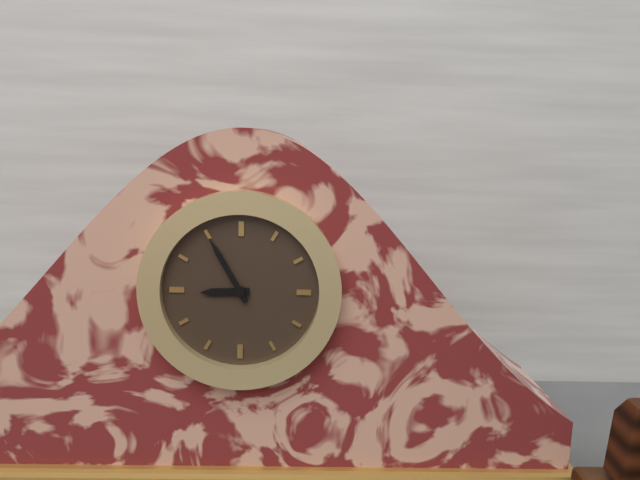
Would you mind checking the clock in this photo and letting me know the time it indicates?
8:55
